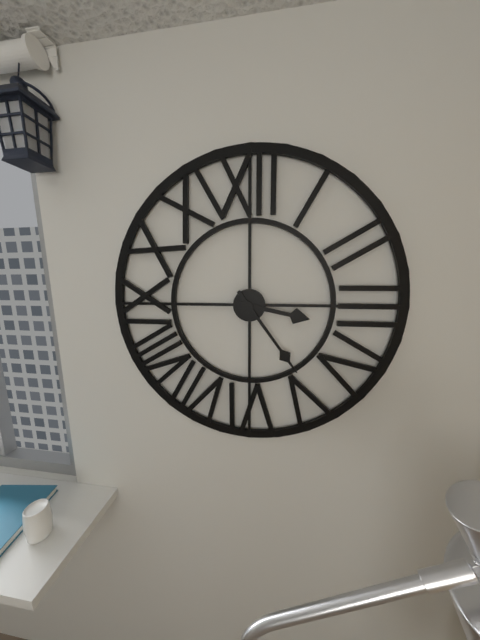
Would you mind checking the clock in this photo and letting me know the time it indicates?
3:24
